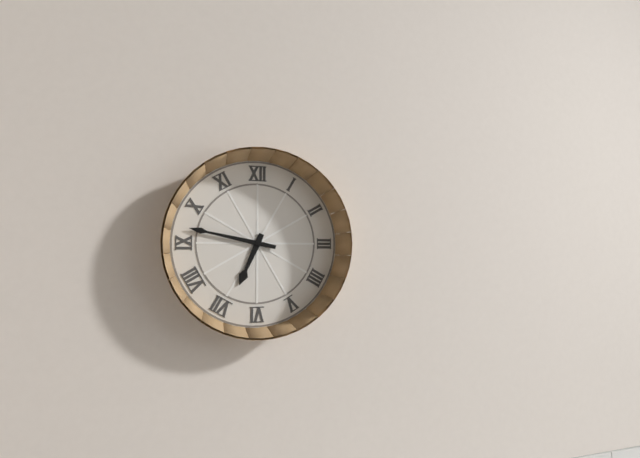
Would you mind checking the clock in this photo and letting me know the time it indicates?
6:47
